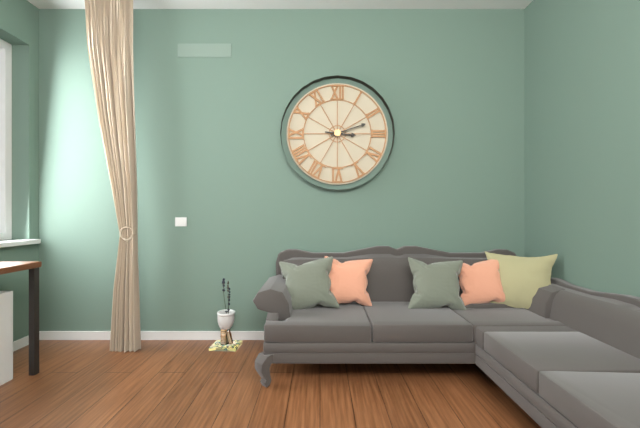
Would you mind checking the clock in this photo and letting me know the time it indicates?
3:12
